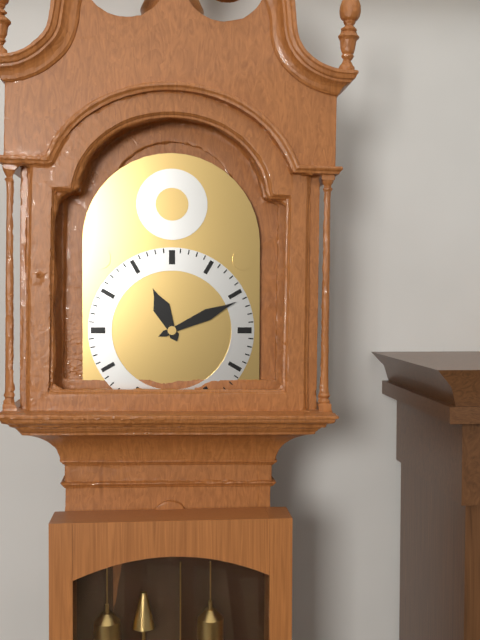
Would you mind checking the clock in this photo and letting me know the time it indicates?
11:11
